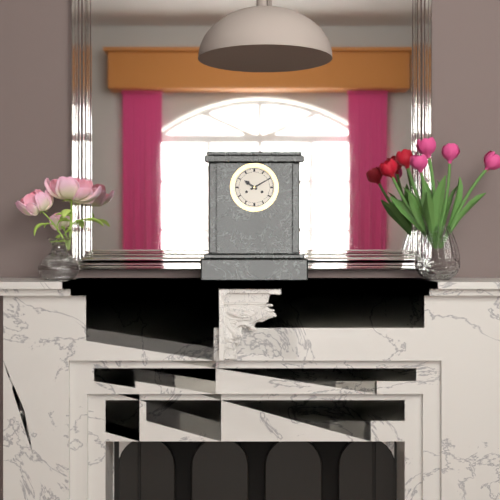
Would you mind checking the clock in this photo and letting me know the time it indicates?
10:10
